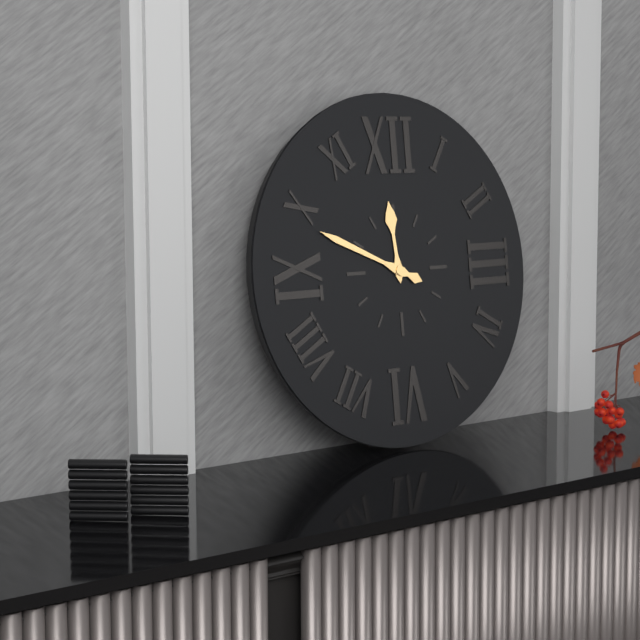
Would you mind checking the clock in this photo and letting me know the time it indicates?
11:49
